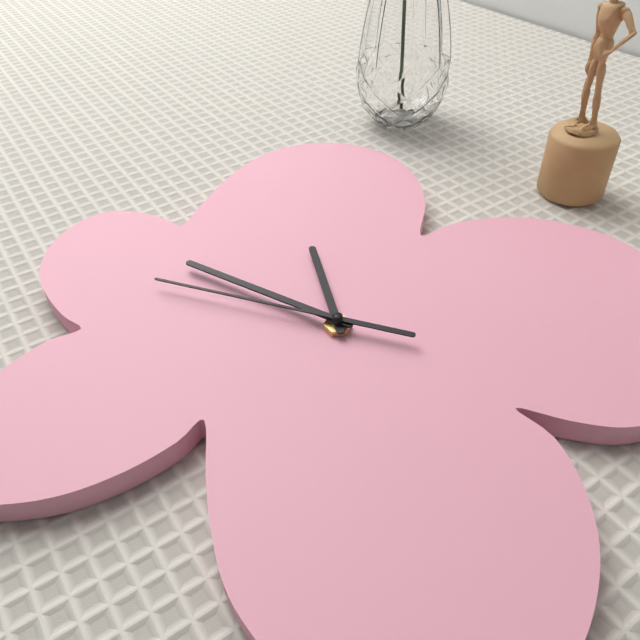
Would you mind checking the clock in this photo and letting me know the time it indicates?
10:46:44
